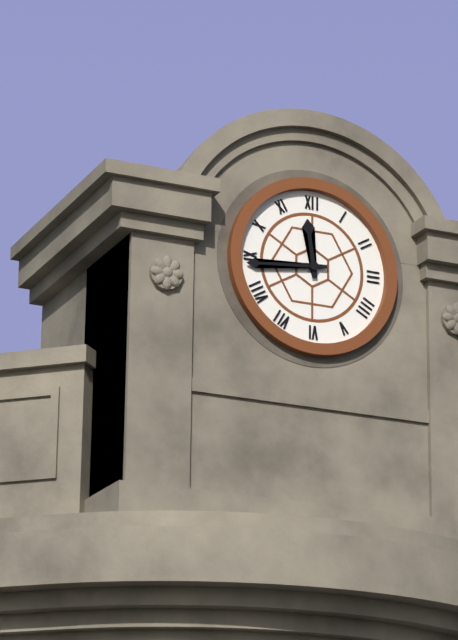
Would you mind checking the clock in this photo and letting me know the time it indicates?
11:44
